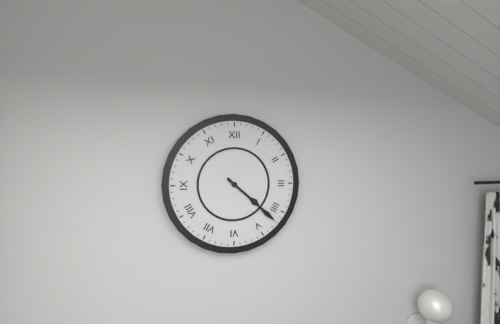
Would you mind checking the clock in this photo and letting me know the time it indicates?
4:22
